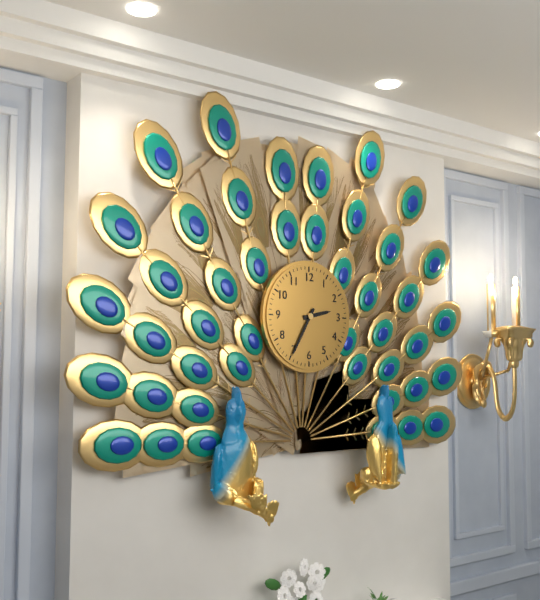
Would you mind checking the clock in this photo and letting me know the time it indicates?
2:35
